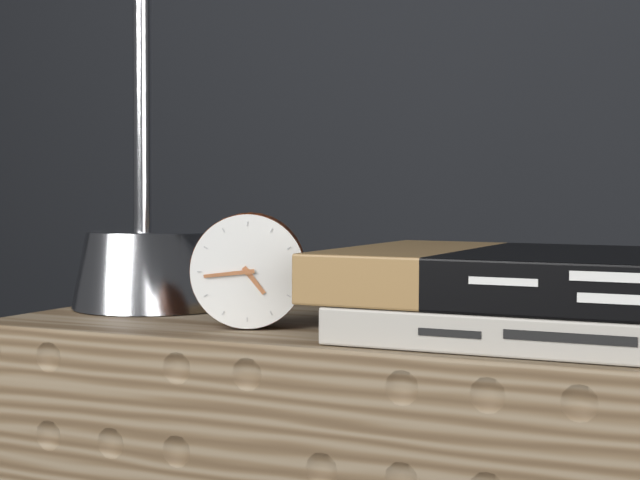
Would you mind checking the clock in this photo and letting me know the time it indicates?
4:44
